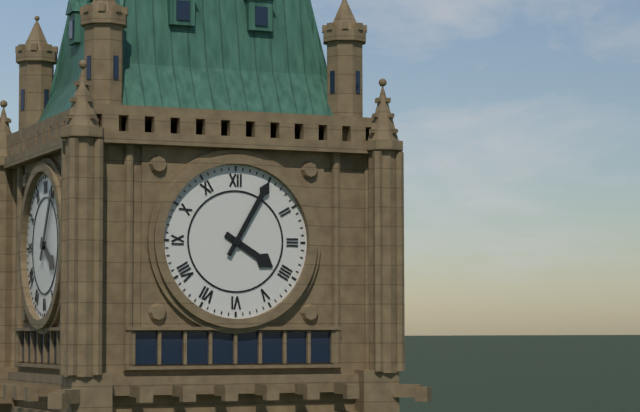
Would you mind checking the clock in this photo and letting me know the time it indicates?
4:05
